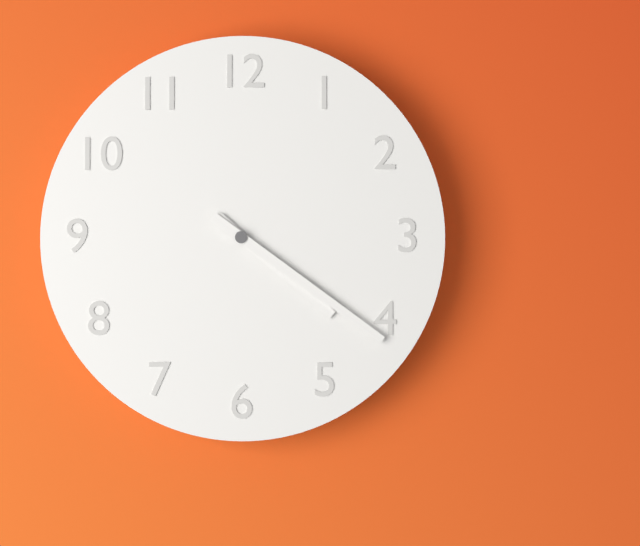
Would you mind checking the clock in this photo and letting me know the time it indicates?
4:21
